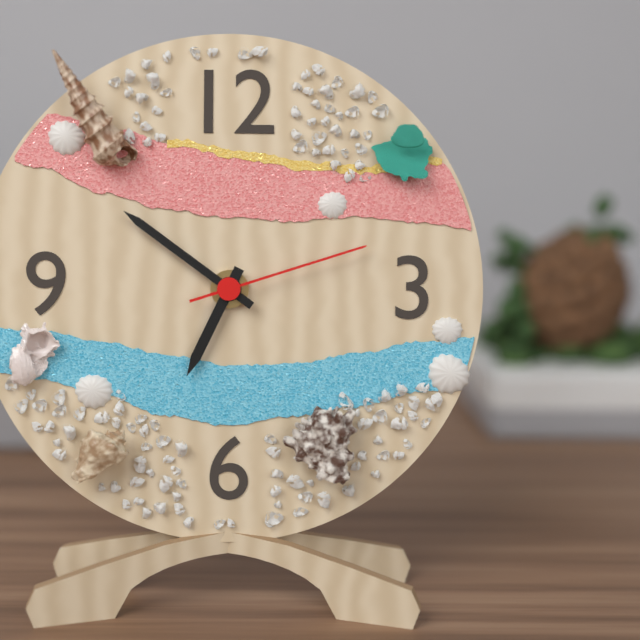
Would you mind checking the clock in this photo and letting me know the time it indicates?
6:51:12
